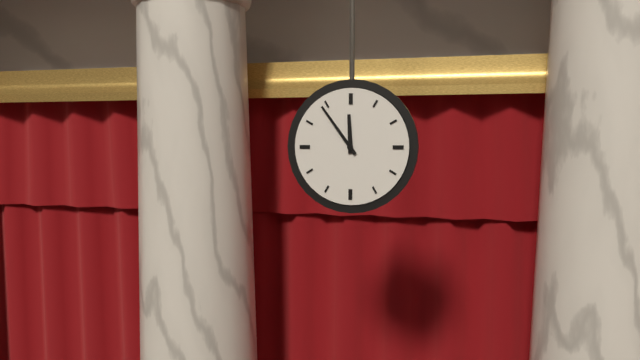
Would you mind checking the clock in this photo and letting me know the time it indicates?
11:54
